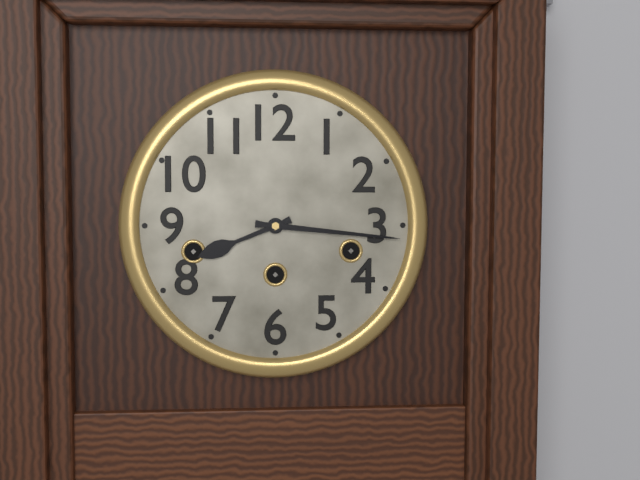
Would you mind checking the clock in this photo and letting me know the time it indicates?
8:16
